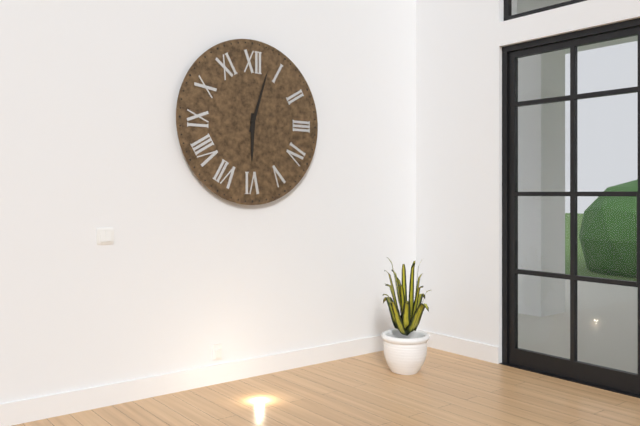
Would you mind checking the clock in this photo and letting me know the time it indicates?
6:03
